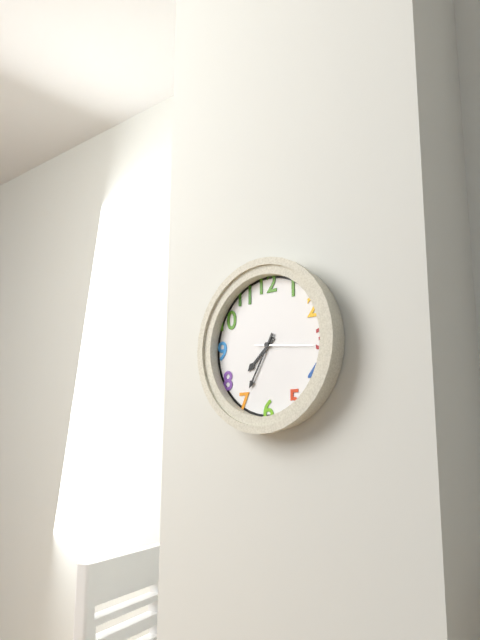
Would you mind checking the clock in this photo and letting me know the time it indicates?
7:35:16
